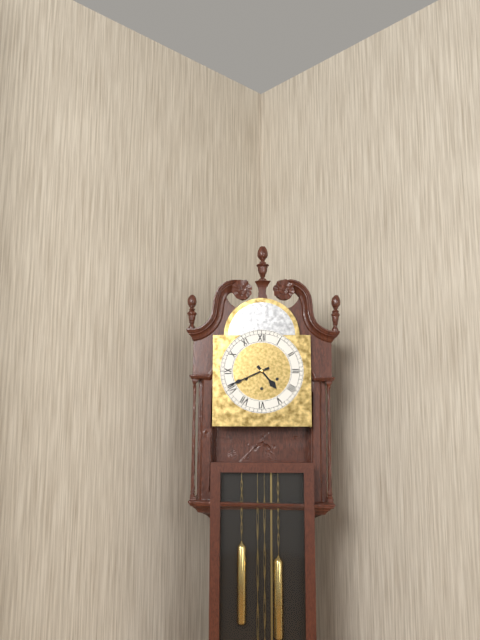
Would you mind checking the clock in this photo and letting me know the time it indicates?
4:41
